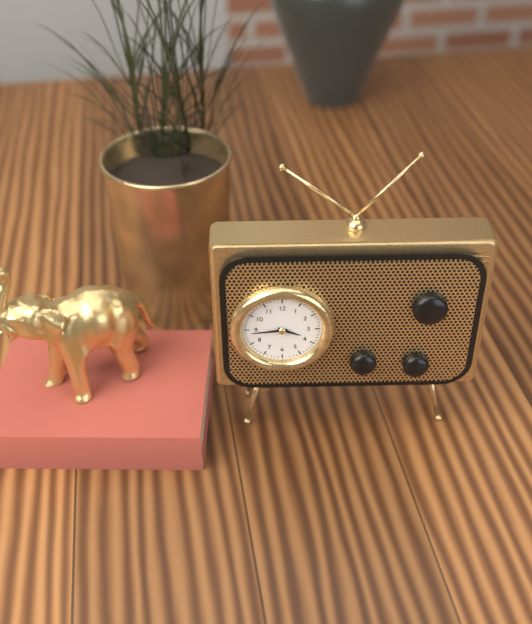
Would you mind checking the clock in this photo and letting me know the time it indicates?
3:44
